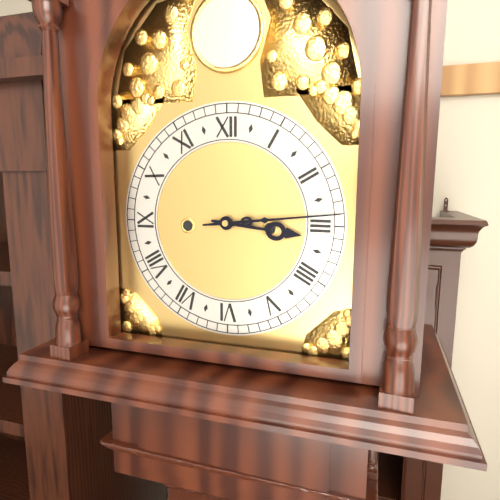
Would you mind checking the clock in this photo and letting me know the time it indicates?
3:14
